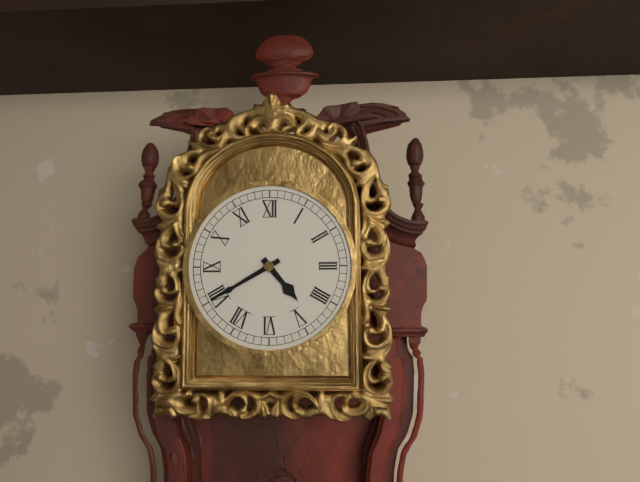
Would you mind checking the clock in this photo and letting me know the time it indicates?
4:40
